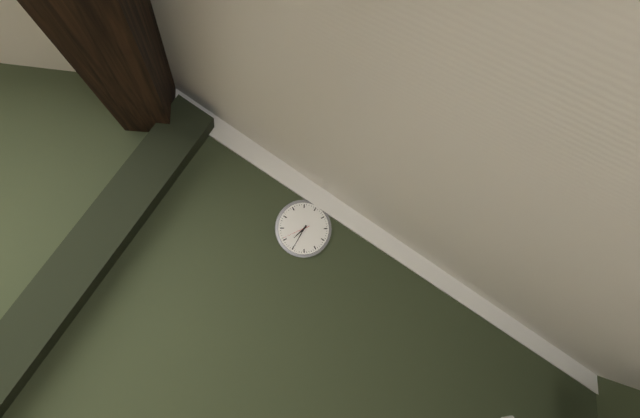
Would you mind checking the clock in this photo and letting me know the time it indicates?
7:35
